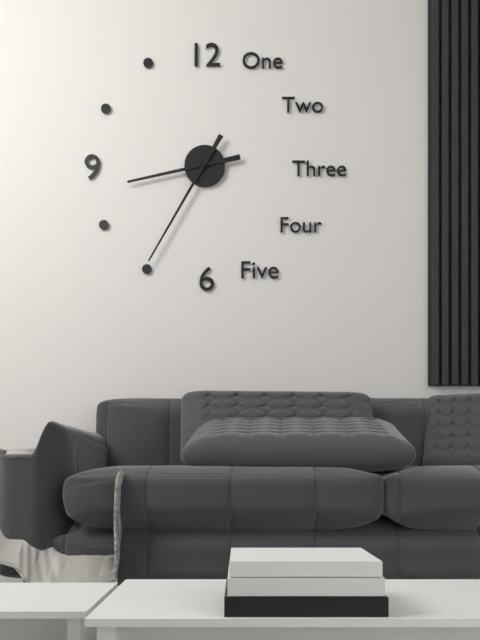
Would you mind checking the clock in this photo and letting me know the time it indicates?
8:35
